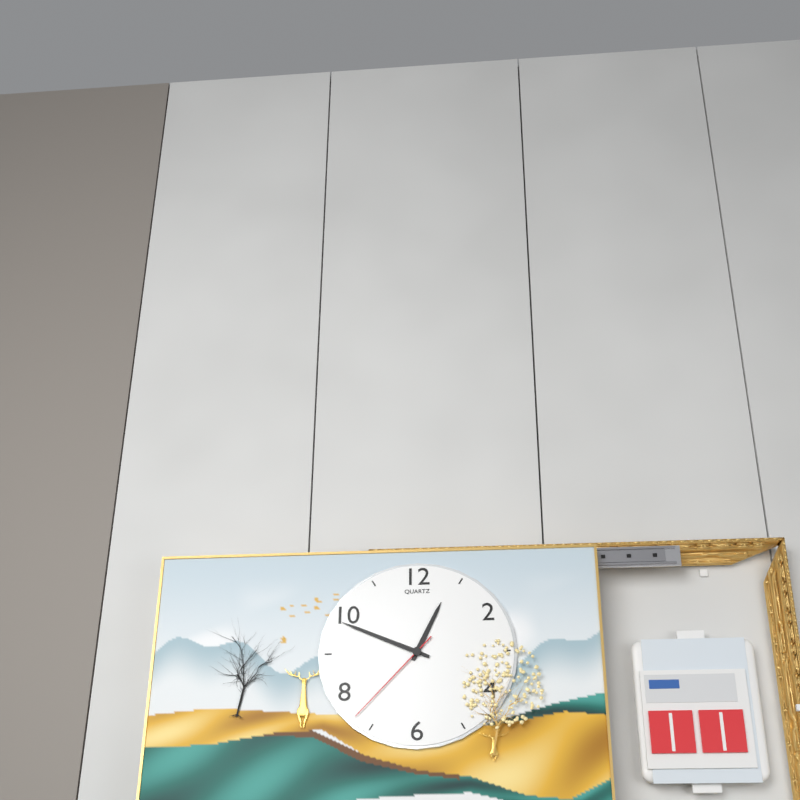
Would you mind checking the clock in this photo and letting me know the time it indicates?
12:49:37
